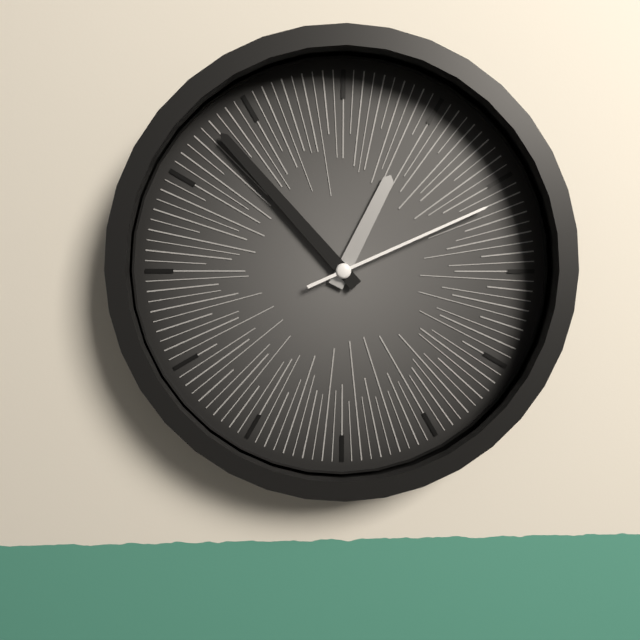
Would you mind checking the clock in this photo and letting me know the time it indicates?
12:53:11
